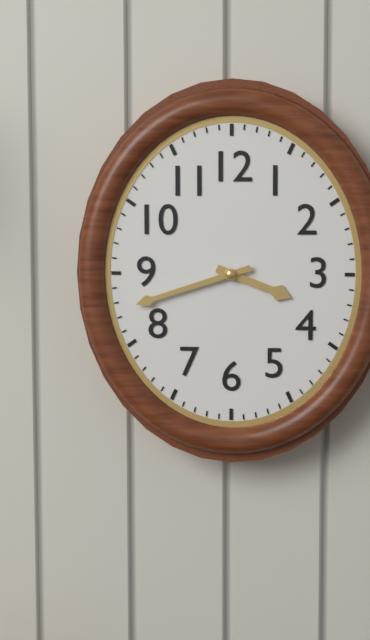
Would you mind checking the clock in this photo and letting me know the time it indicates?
3:42
